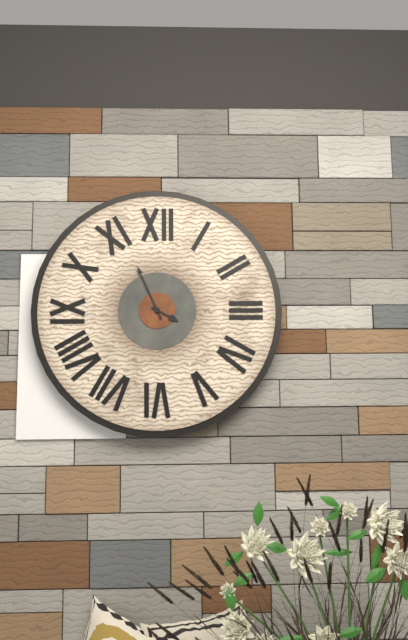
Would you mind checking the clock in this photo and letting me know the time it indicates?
3:56
